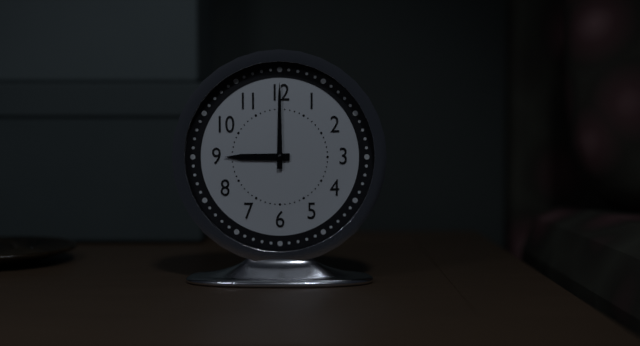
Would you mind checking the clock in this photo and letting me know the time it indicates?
9:00
